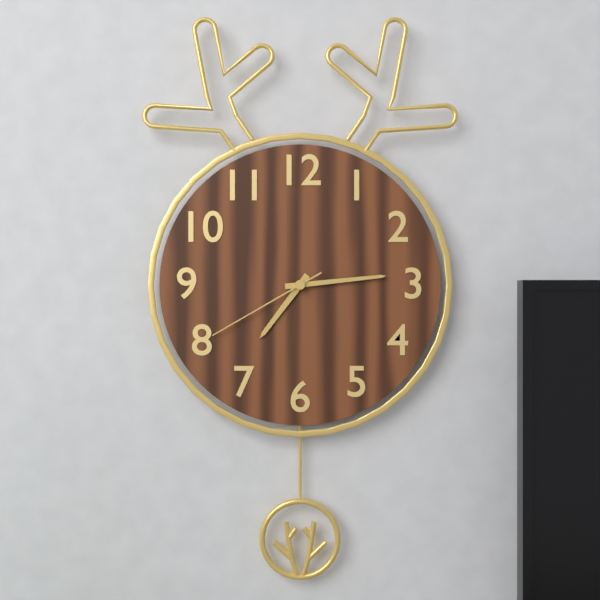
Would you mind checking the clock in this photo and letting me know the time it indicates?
7:14:40
